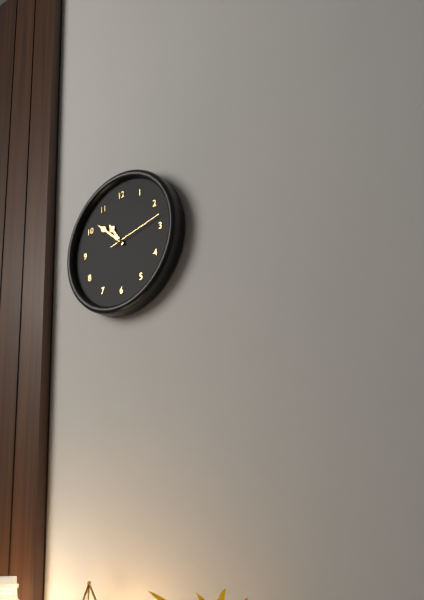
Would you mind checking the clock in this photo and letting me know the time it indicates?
10:52:13
